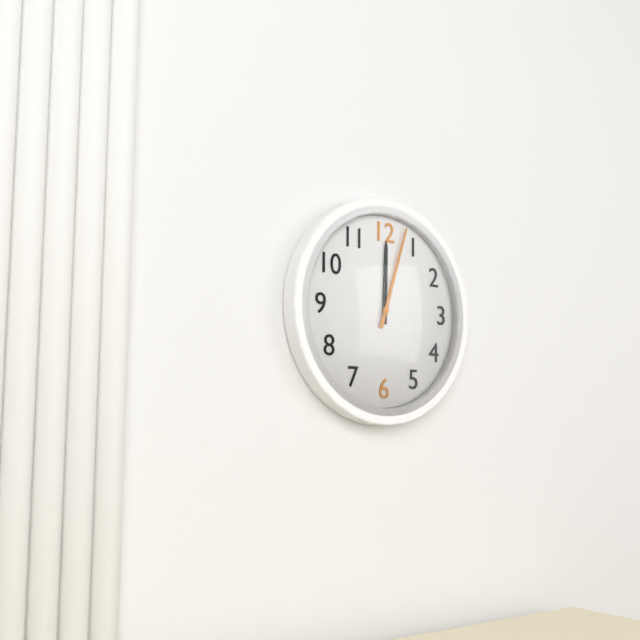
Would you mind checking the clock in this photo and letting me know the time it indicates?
12:03
